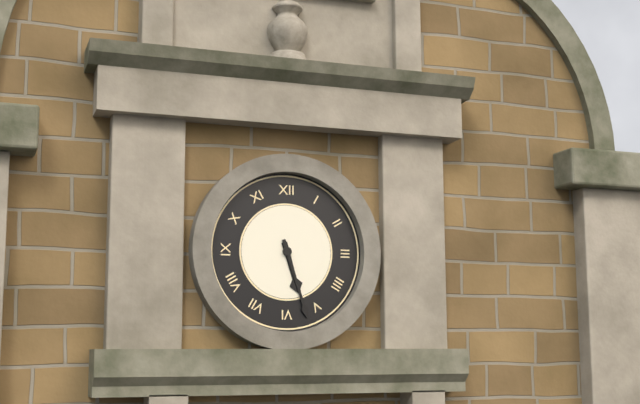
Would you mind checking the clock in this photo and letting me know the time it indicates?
5:27
